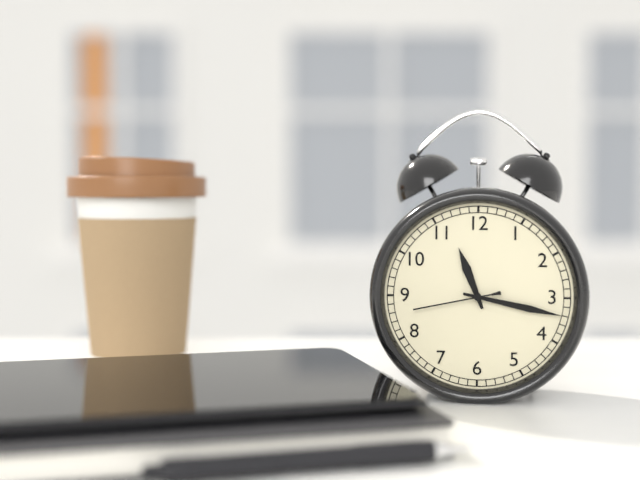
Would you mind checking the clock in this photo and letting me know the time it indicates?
11:17:43
